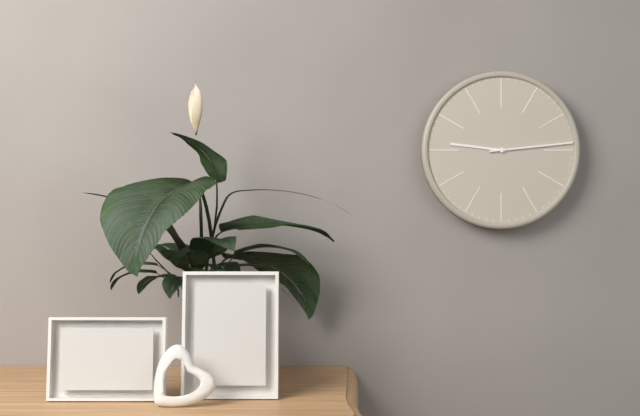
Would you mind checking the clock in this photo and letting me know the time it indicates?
9:14
